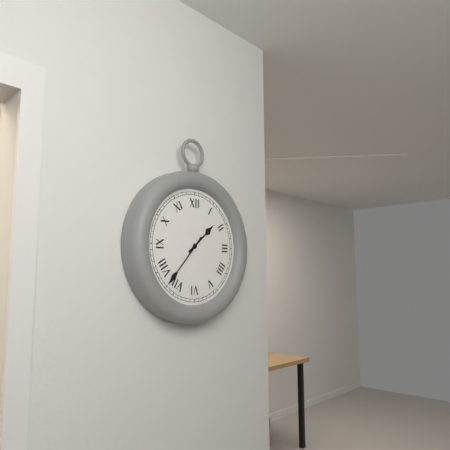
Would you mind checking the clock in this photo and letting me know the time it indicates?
1:37
